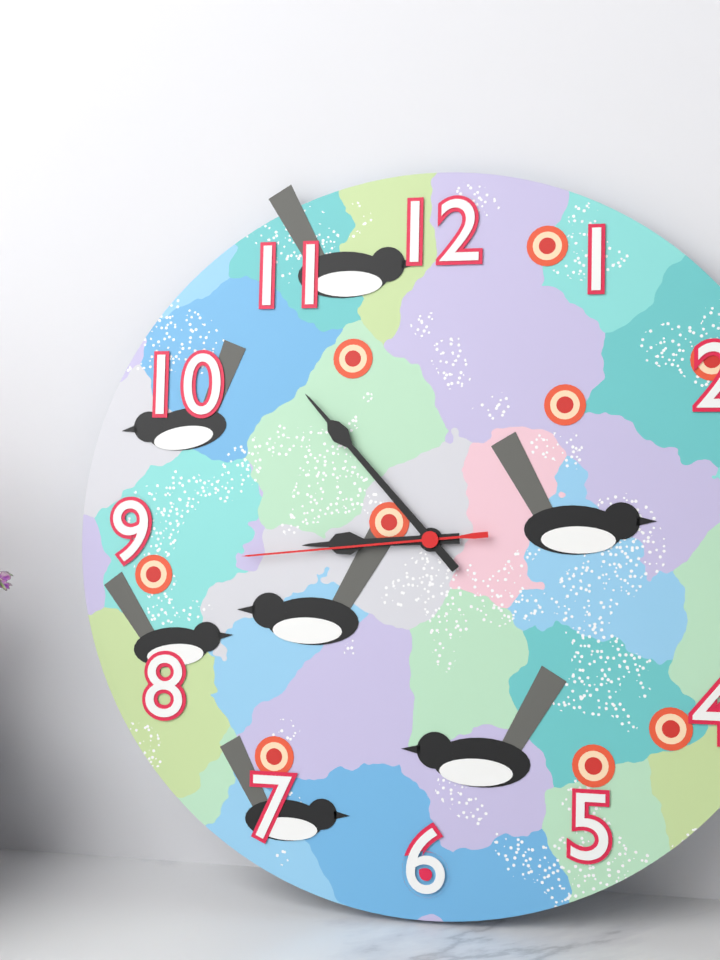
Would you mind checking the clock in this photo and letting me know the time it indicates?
8:53:44
